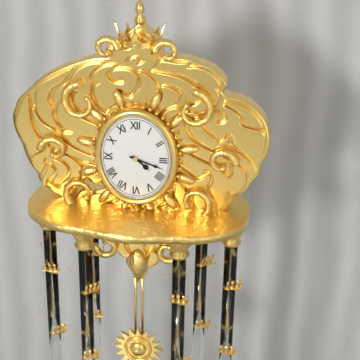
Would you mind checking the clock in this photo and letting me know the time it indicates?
4:18
